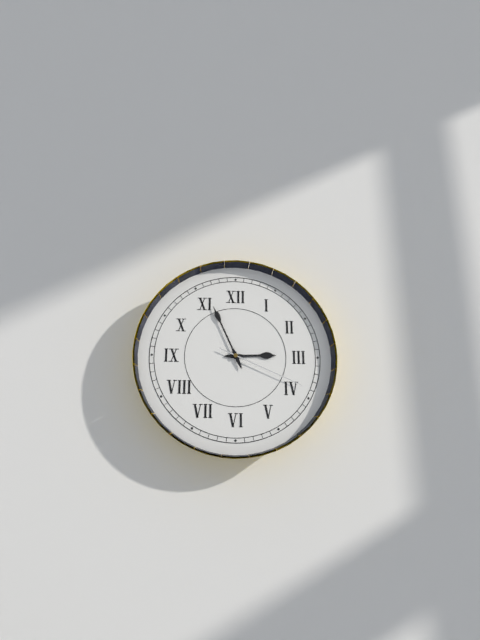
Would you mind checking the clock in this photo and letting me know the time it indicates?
2:56:19
